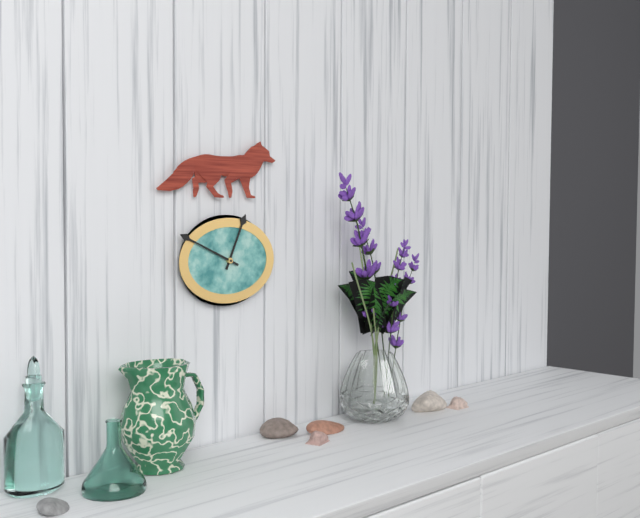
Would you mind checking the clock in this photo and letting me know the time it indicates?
12:49
